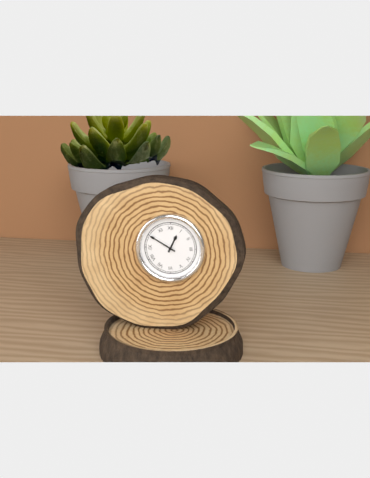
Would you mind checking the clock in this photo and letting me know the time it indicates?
12:50
